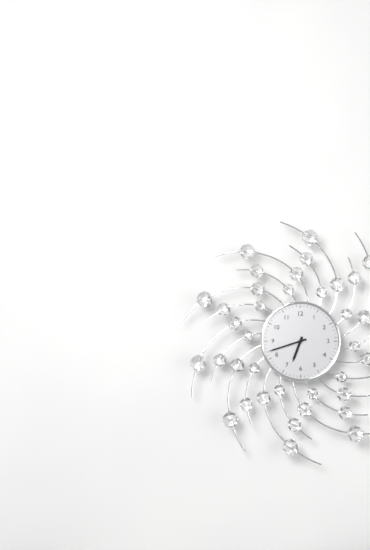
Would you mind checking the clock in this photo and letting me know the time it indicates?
6:42
